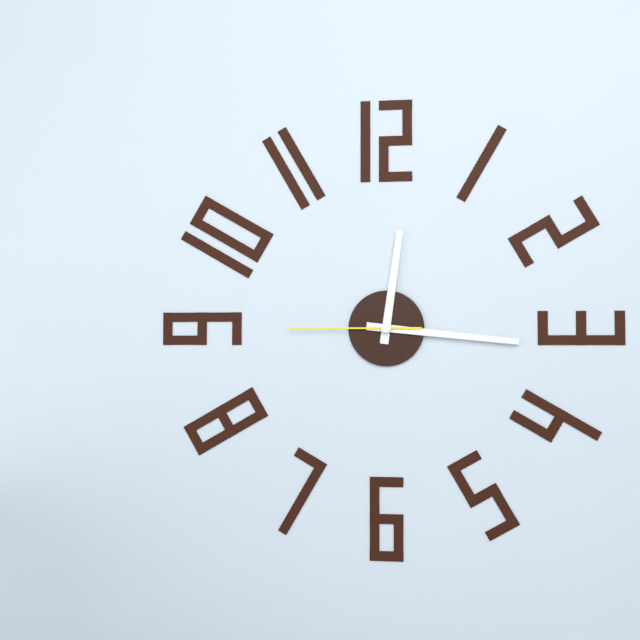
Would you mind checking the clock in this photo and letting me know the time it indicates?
12:16:45
